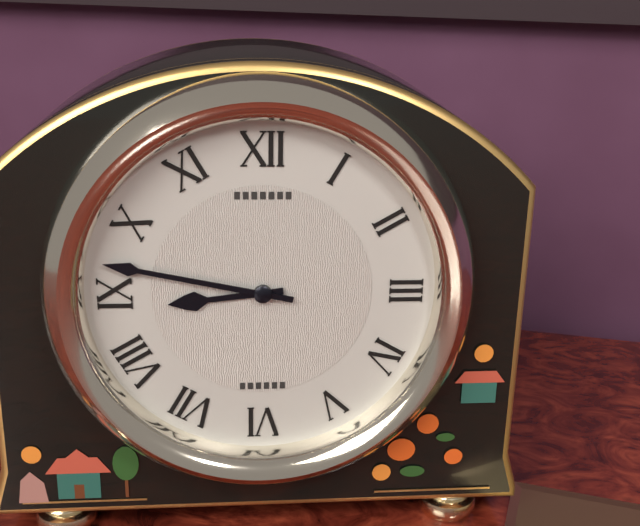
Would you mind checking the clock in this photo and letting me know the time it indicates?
8:47
